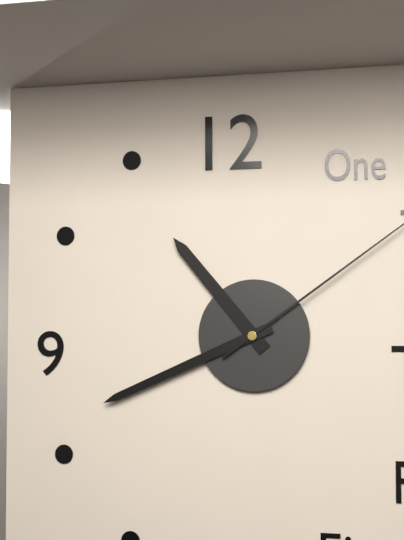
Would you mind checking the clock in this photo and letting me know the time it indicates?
10:41
